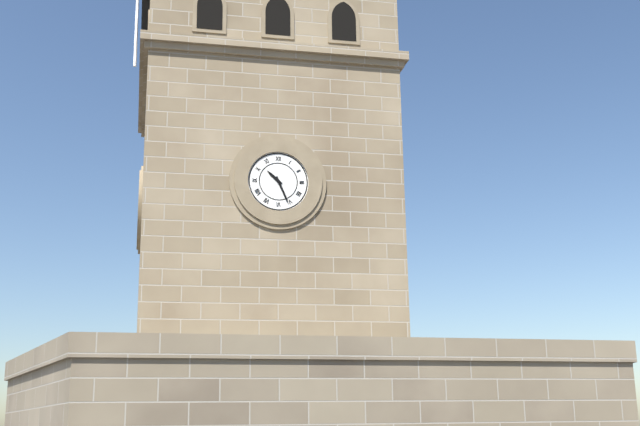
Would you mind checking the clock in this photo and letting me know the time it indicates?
10:26
